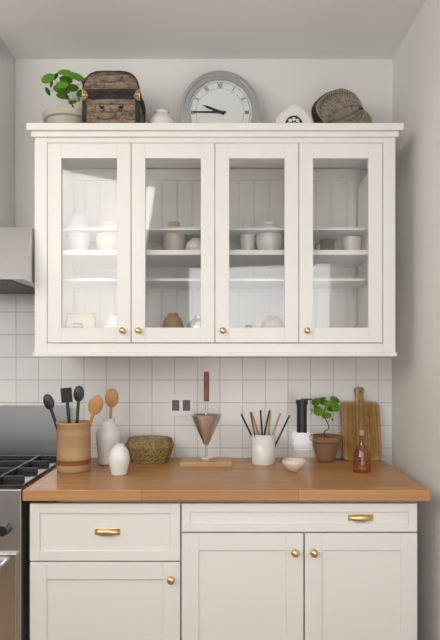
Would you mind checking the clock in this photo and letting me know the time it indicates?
9:45
